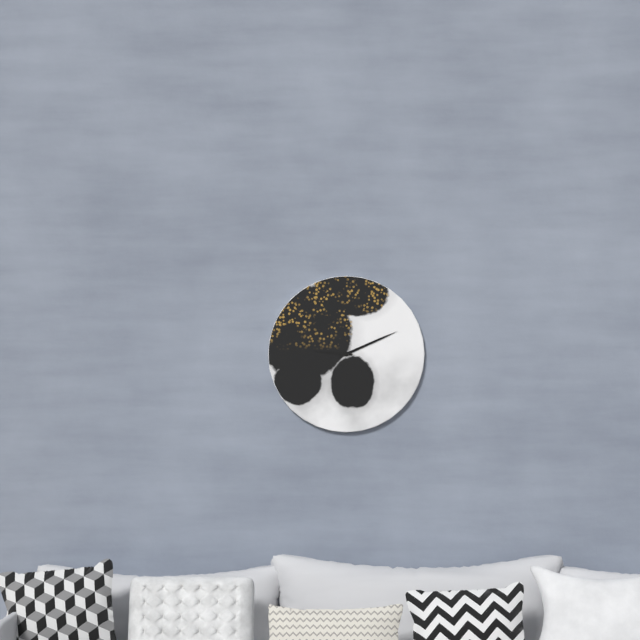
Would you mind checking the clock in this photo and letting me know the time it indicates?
9:11
